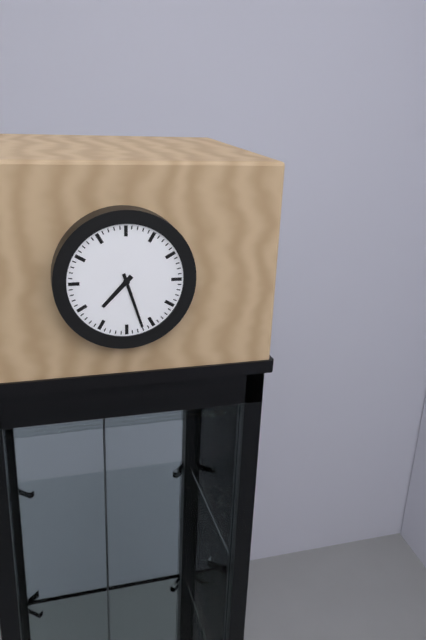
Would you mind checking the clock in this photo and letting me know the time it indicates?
7:27
